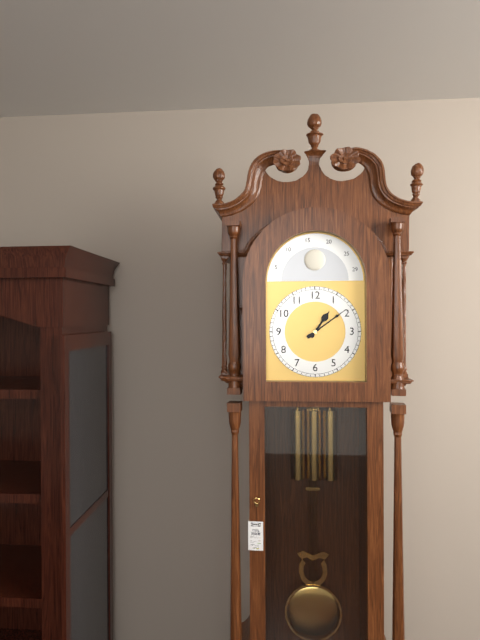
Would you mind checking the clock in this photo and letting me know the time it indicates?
1:09
